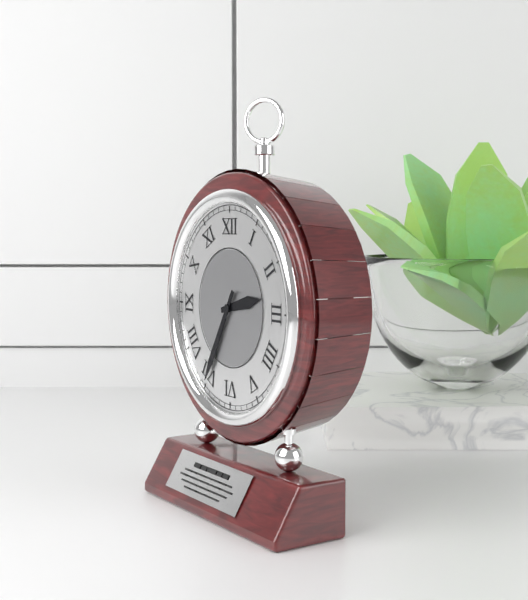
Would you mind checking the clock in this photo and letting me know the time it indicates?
2:35
